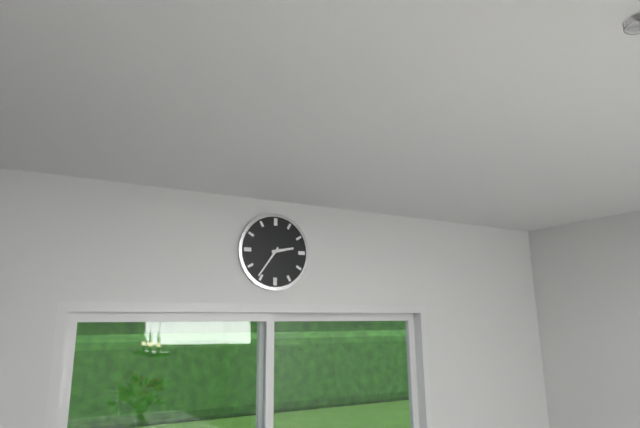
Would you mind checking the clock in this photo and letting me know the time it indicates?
2:36
